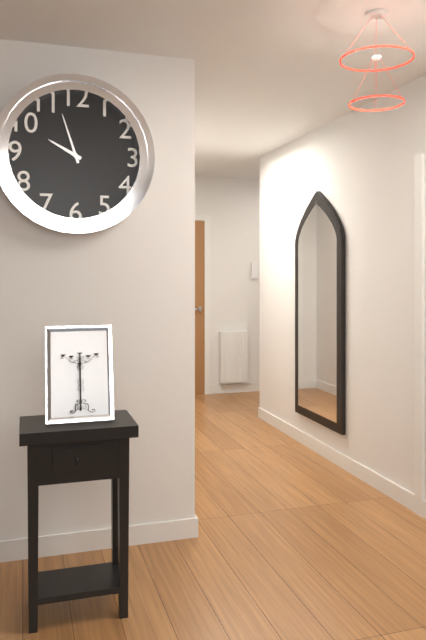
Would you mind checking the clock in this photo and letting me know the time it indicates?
9:57
